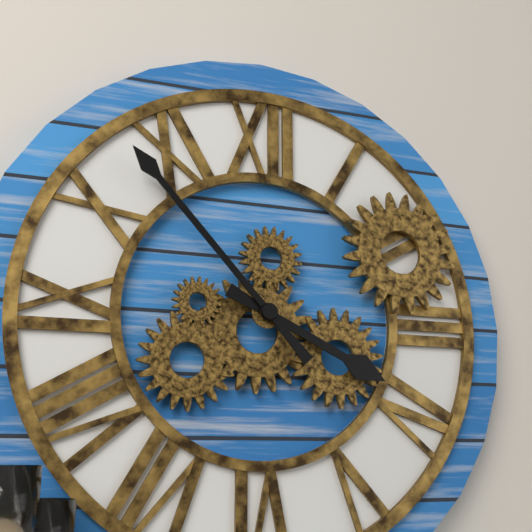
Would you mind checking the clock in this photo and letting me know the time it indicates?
3:53
